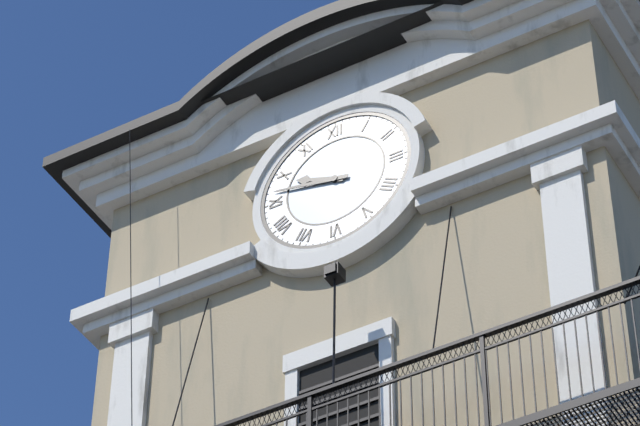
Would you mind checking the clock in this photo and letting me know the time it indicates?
9:47
